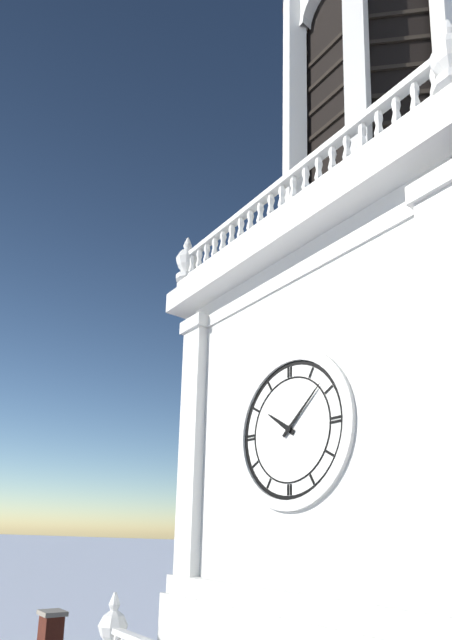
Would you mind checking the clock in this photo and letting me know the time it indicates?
10:08
